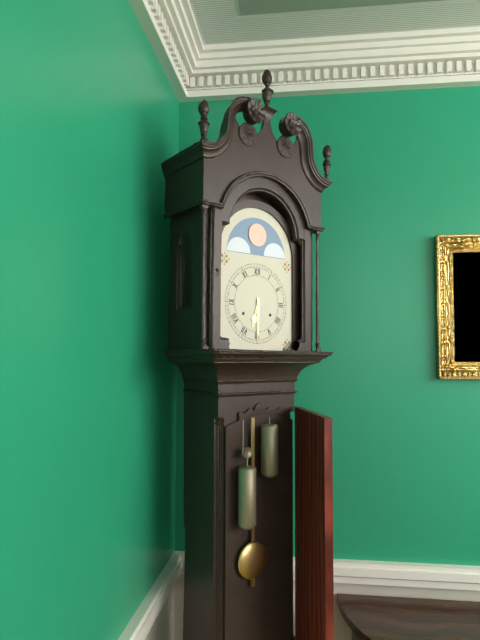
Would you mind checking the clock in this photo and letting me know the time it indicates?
6:30
